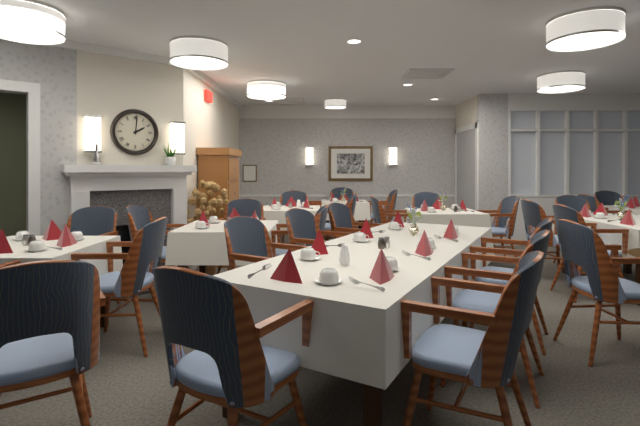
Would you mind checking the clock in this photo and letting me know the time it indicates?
2:01
